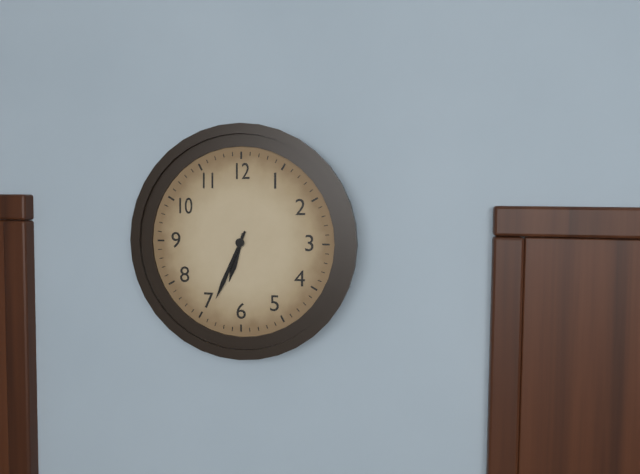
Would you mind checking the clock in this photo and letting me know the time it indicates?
6:34
